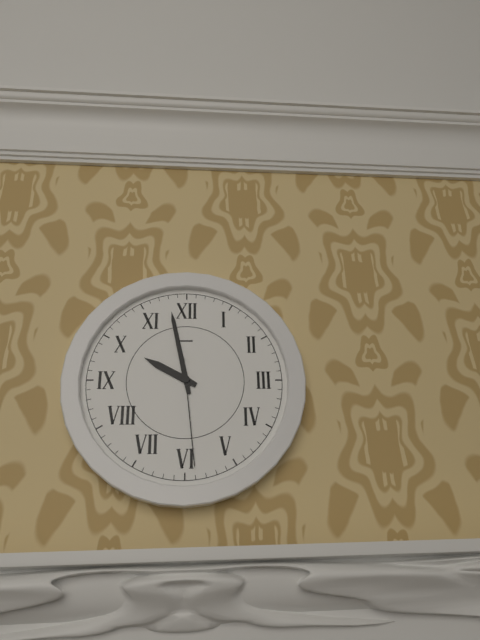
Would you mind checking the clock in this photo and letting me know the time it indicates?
9:58:29
